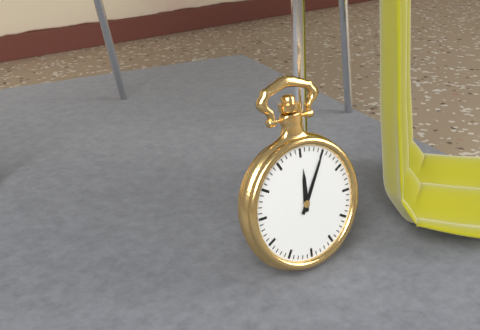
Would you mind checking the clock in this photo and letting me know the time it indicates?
12:05
